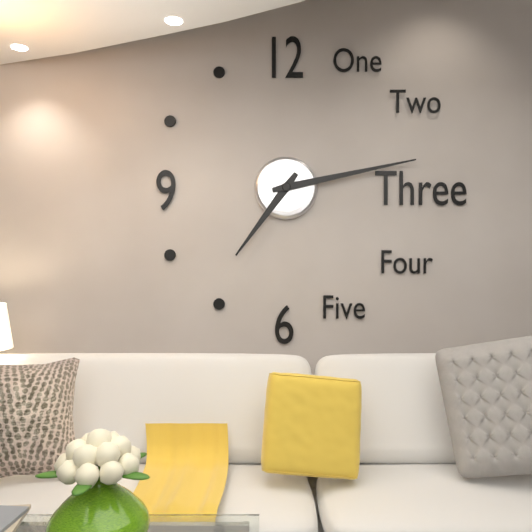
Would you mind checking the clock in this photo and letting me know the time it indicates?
7:13
